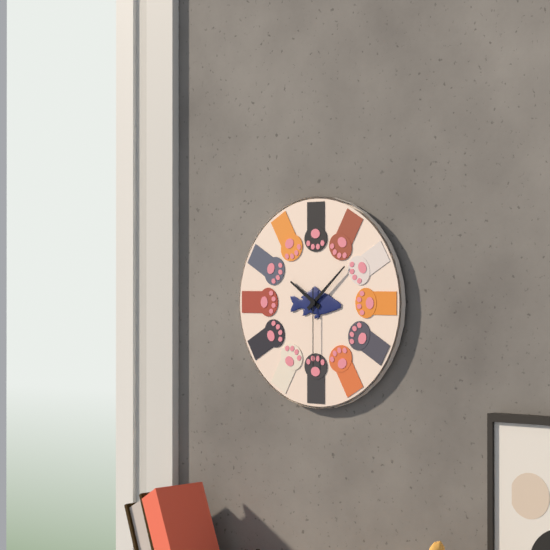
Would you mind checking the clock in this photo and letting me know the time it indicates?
10:08:30
